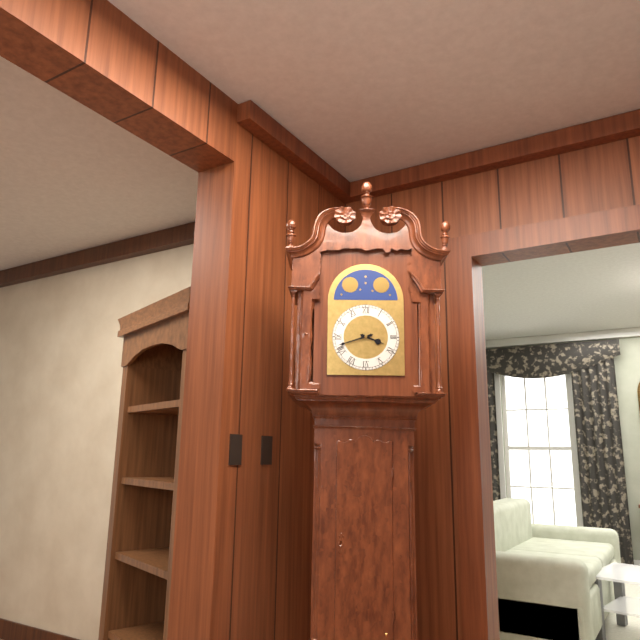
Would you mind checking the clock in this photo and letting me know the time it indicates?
3:42
